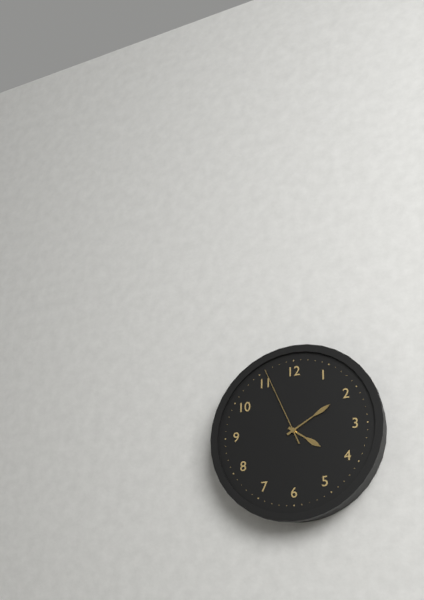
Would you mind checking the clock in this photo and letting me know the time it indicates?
4:10:56
